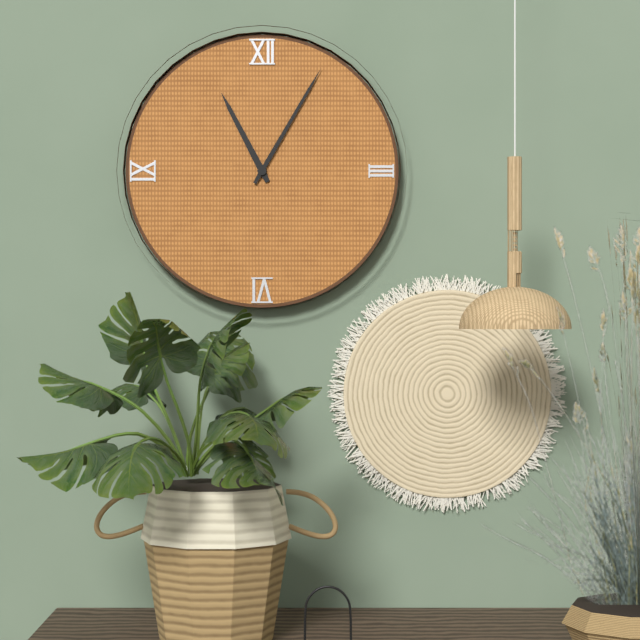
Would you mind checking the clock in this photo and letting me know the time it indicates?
11:05
